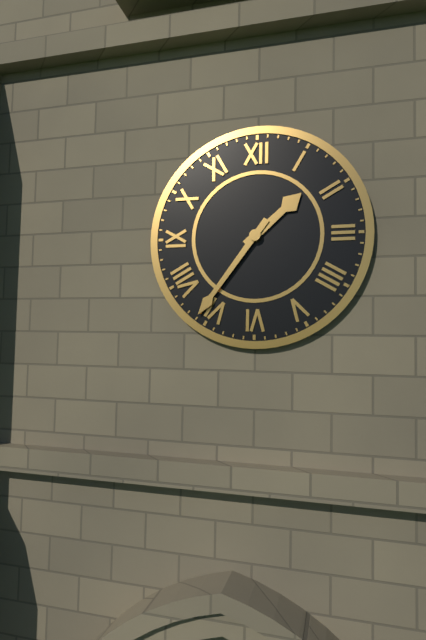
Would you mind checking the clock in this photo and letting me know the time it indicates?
1:36
